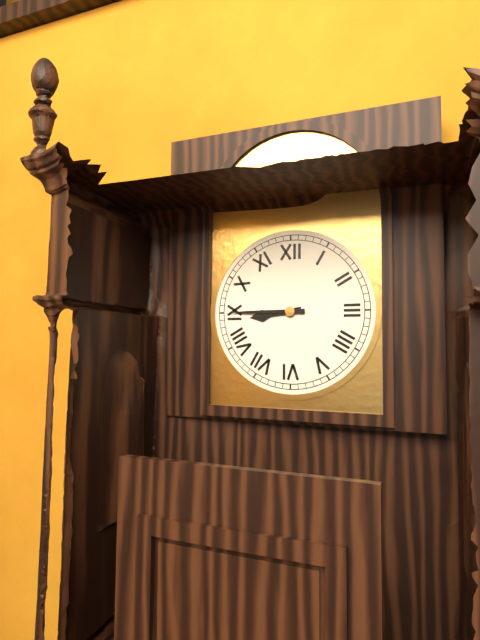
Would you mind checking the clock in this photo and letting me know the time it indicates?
8:45
